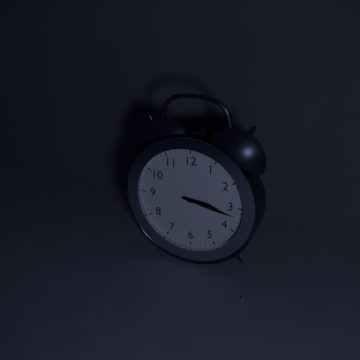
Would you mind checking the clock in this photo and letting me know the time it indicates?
3:17
